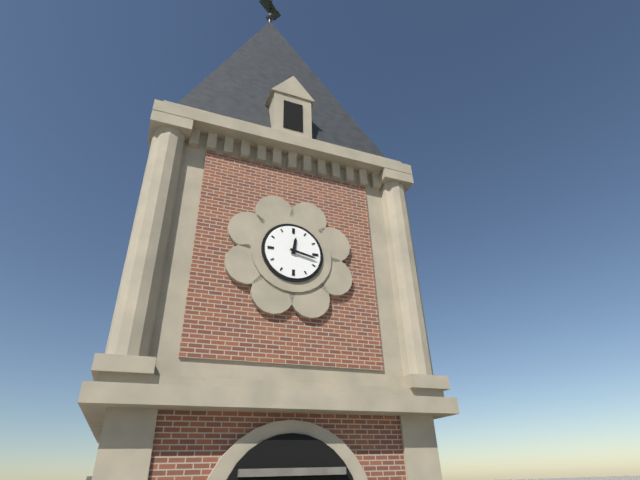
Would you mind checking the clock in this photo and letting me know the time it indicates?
12:17
